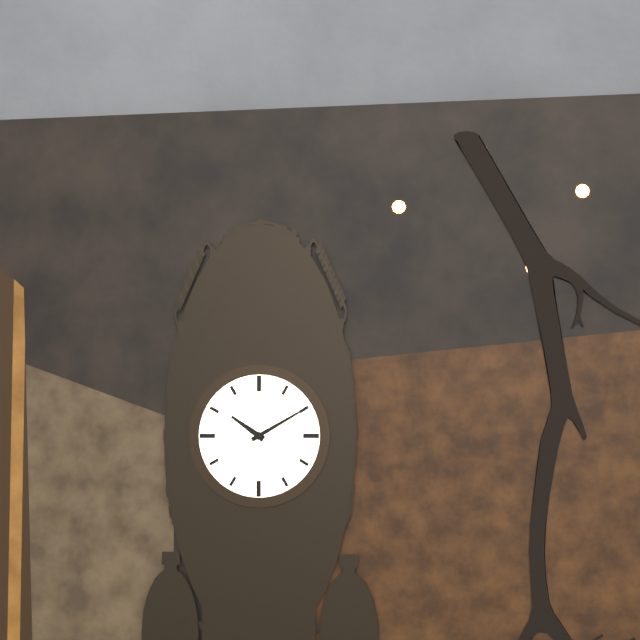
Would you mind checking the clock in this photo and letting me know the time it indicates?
10:10
